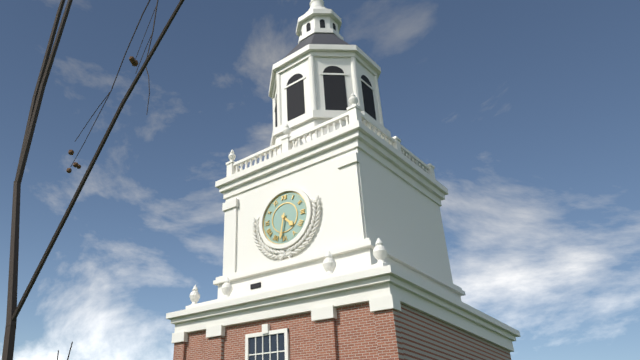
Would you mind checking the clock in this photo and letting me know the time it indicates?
4:32
